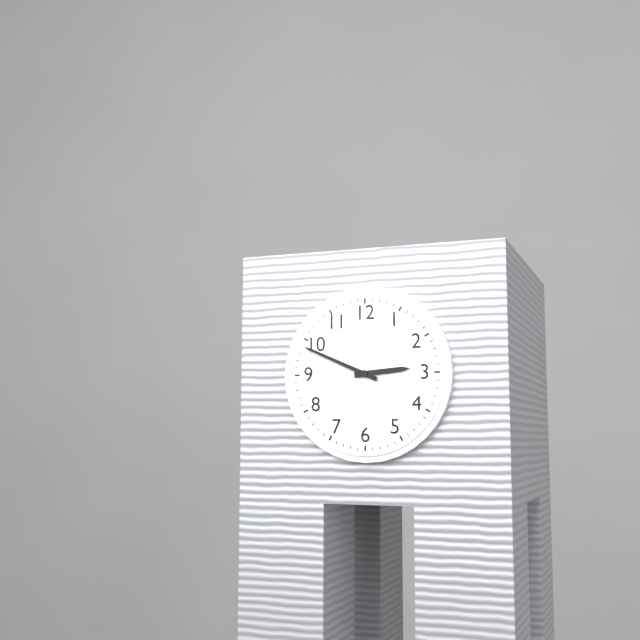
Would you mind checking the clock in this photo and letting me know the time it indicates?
2:49
